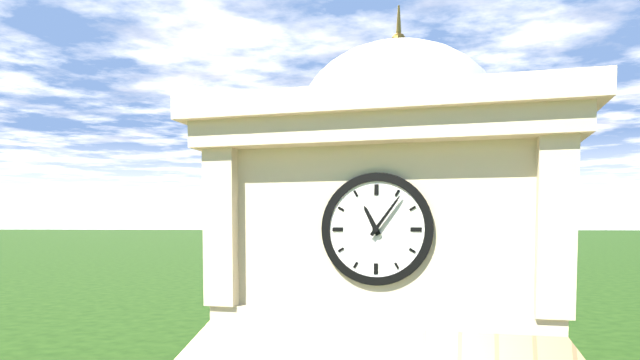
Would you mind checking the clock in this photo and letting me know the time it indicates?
11:06
